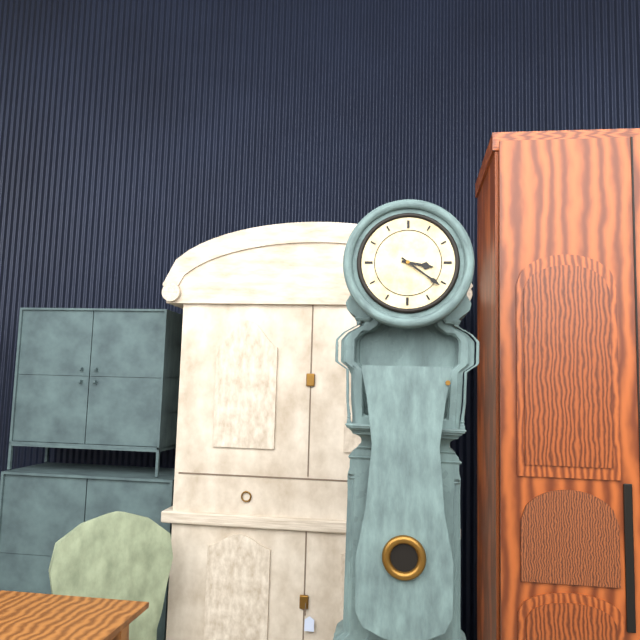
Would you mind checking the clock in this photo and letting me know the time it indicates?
3:21
